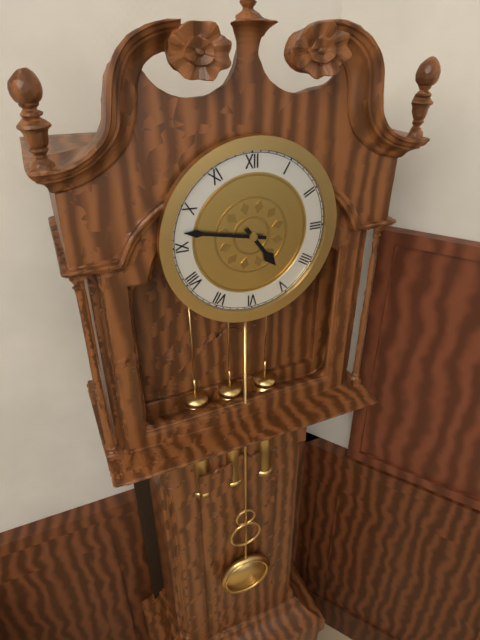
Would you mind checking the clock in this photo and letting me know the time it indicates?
4:47
